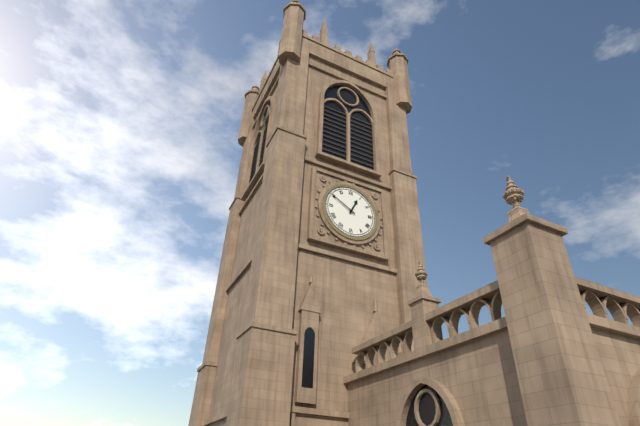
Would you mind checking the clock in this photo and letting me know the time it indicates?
12:50
